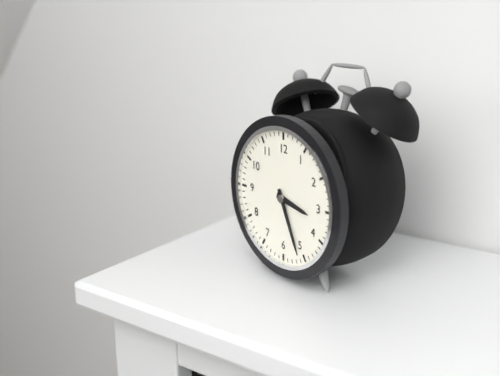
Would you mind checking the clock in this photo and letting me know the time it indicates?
3:26
